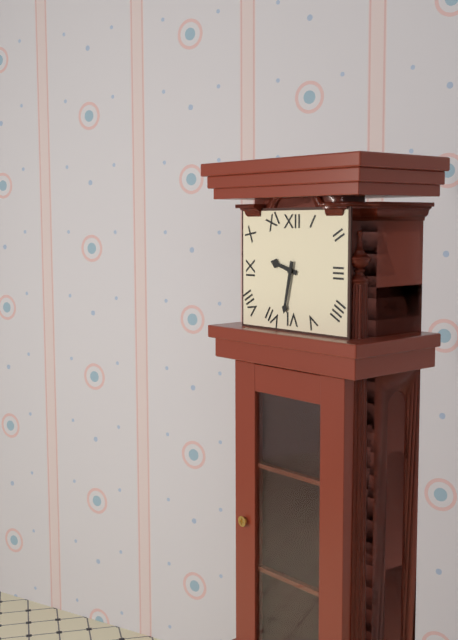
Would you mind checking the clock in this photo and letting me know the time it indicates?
9:32
